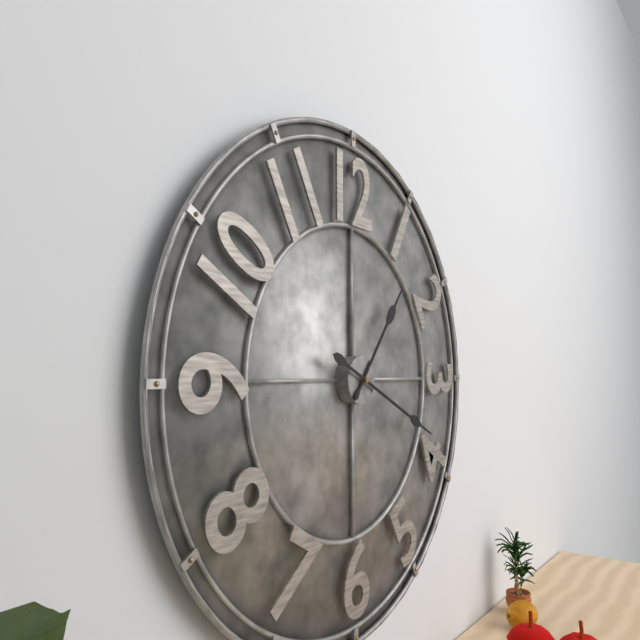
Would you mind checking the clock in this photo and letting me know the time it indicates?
1:19
